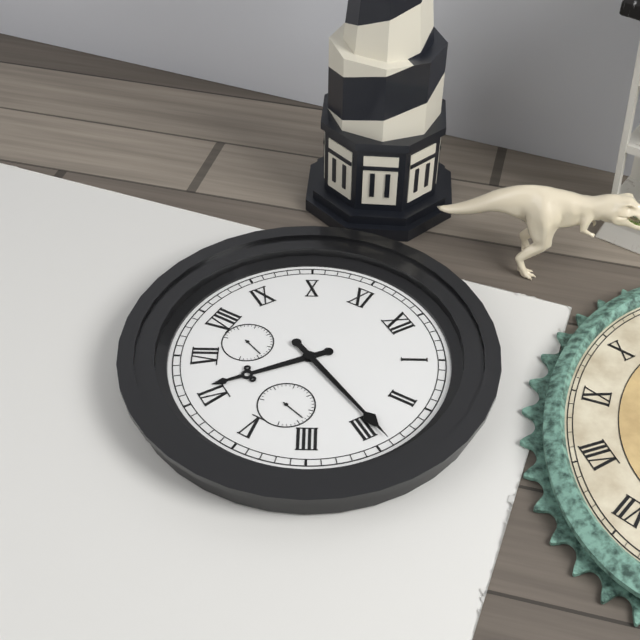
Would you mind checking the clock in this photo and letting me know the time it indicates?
6:14
